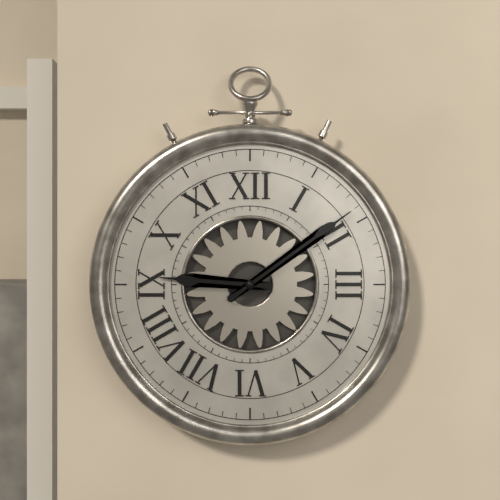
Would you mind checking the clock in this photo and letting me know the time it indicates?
9:09
